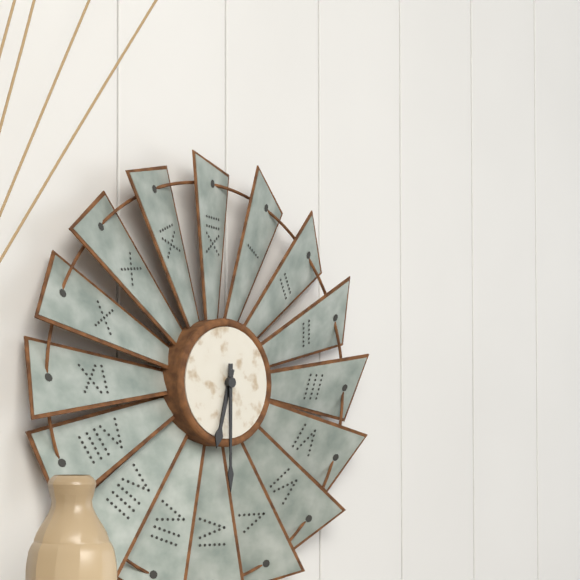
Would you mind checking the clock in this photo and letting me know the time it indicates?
6:30
